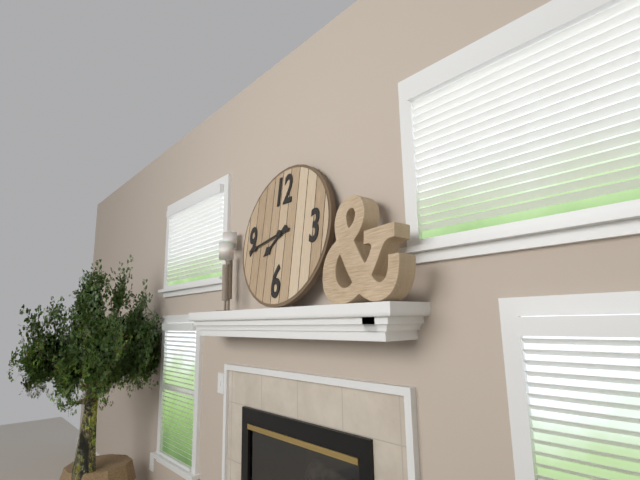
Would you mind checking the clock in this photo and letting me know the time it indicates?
7:43
